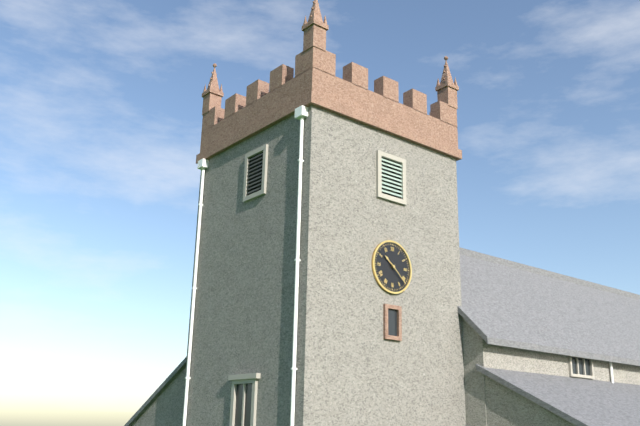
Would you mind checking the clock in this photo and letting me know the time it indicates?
10:22
